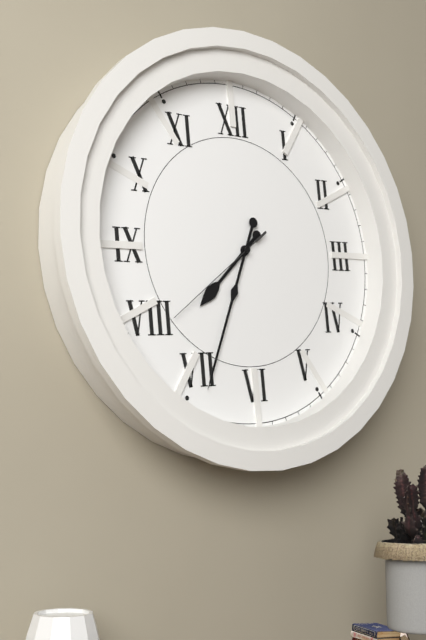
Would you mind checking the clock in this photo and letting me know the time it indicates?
7:34:39
